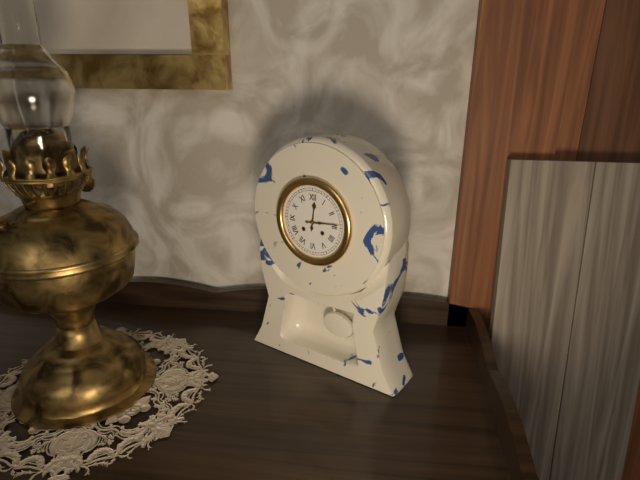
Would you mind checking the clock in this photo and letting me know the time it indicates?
12:14
